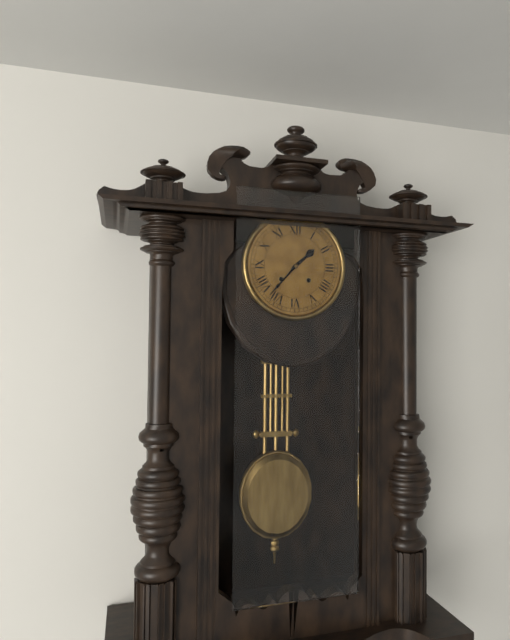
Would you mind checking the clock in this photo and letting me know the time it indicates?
1:37
